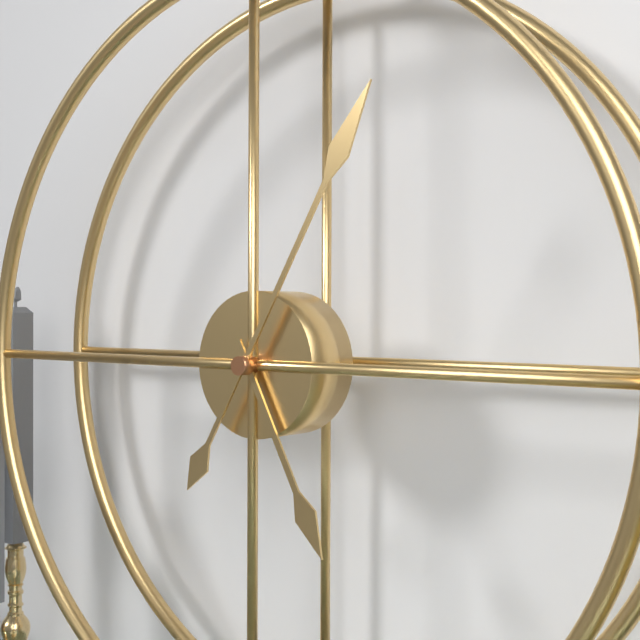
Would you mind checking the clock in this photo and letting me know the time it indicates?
5:05
